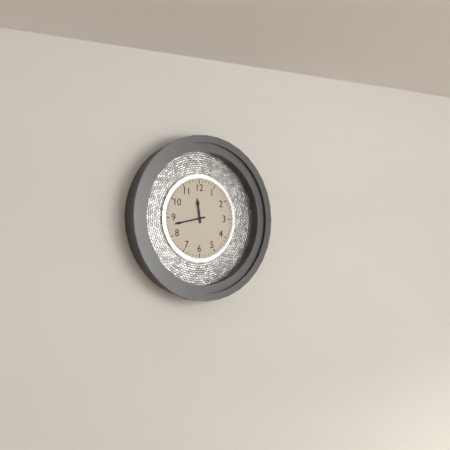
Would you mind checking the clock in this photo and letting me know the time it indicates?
11:43
